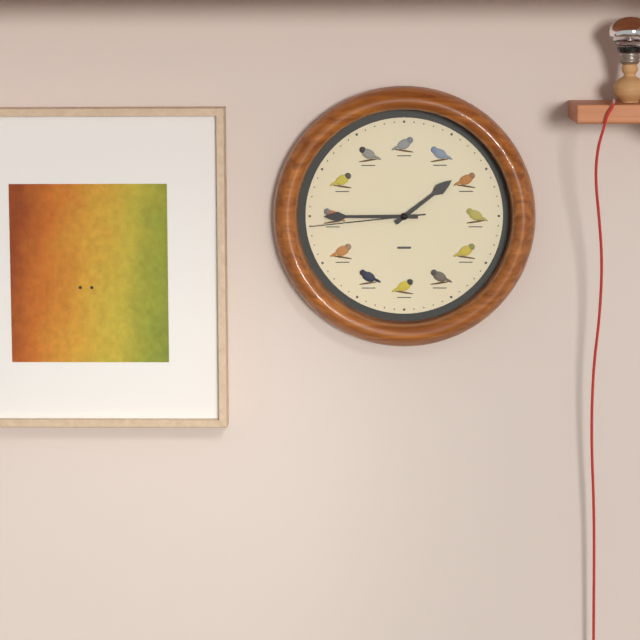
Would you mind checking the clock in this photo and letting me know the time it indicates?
1:45:44
